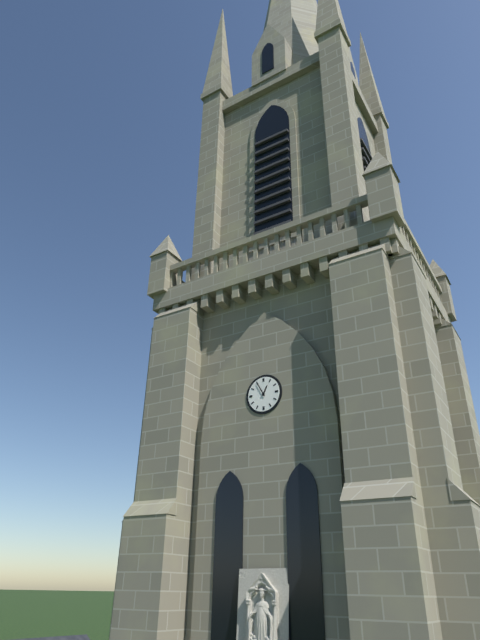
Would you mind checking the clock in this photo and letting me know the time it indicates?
12:55
